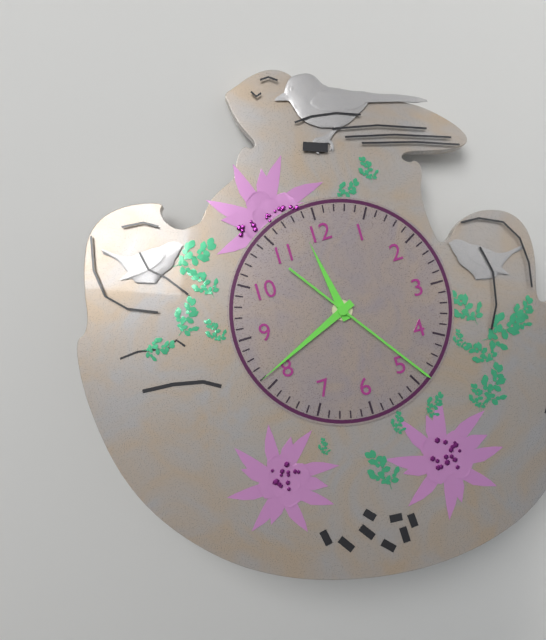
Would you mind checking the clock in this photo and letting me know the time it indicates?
11:41:24
